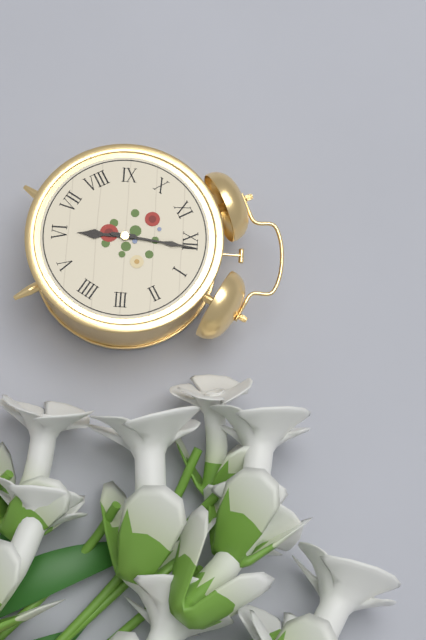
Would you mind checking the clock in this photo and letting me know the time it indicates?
6:01
